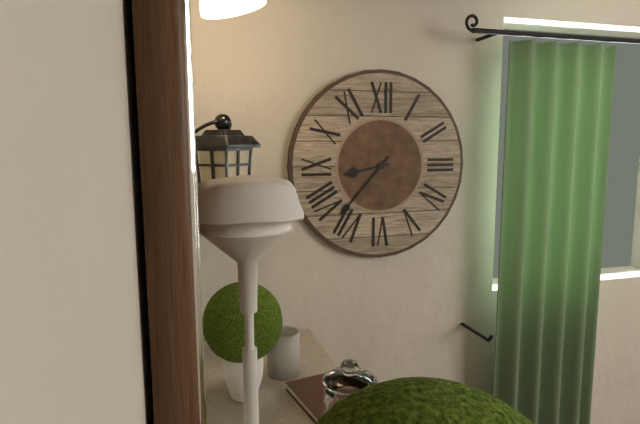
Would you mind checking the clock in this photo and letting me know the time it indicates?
8:37
